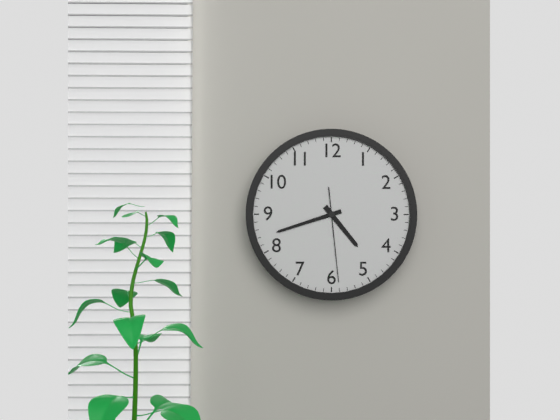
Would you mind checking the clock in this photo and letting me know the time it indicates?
4:42:29
